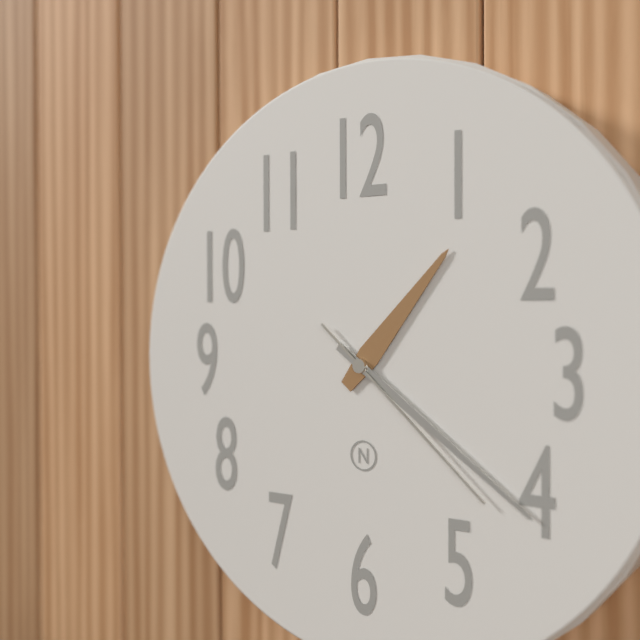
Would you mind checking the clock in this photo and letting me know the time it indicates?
1:21:22
